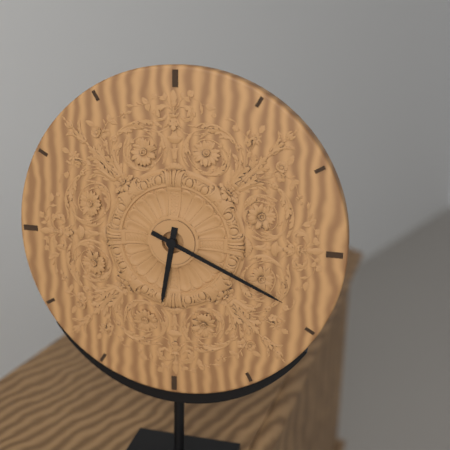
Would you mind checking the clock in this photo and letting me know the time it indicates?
6:19
